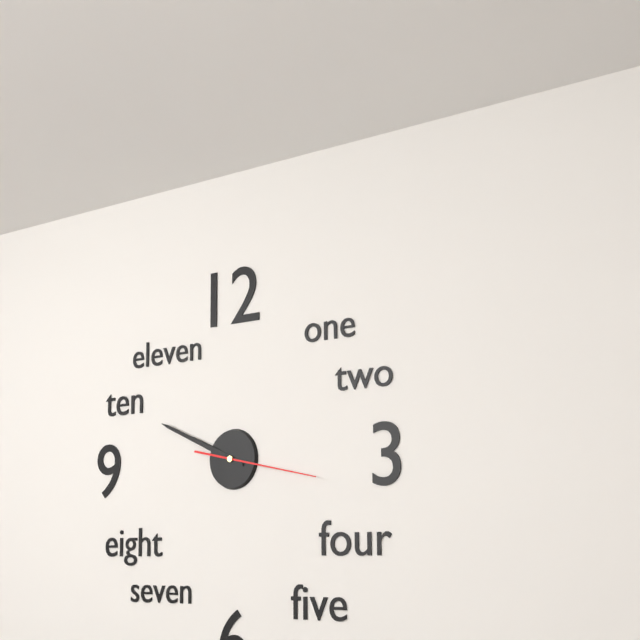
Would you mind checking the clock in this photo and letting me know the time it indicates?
9:49:17
